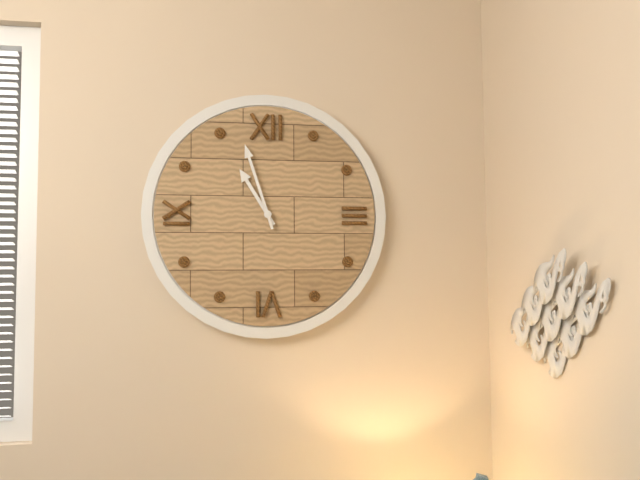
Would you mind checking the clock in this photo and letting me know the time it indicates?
10:57
